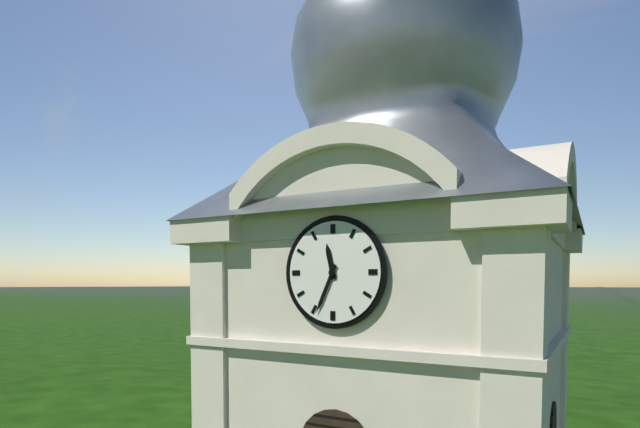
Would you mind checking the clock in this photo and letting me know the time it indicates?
11:34
